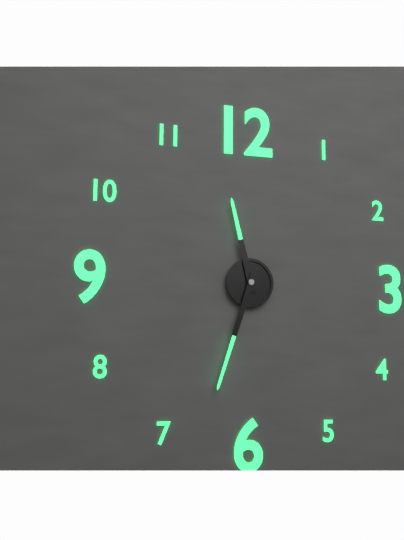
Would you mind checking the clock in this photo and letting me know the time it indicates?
11:33
